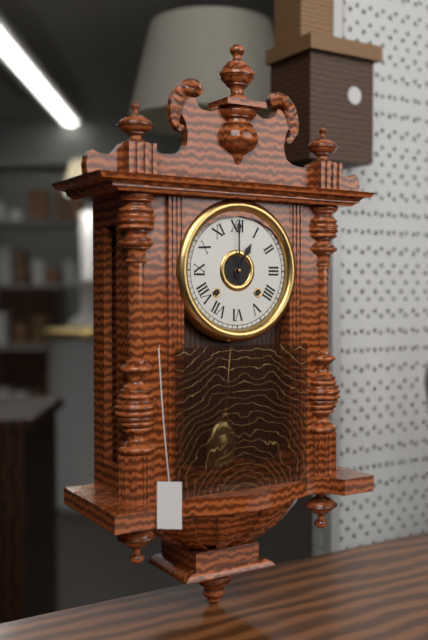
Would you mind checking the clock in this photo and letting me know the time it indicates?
1:00
